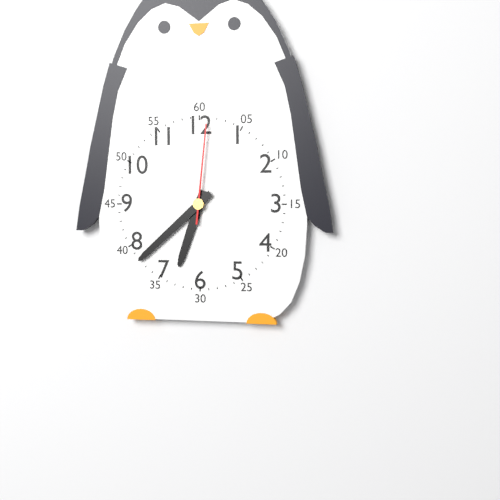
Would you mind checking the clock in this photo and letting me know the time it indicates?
6:38:01
